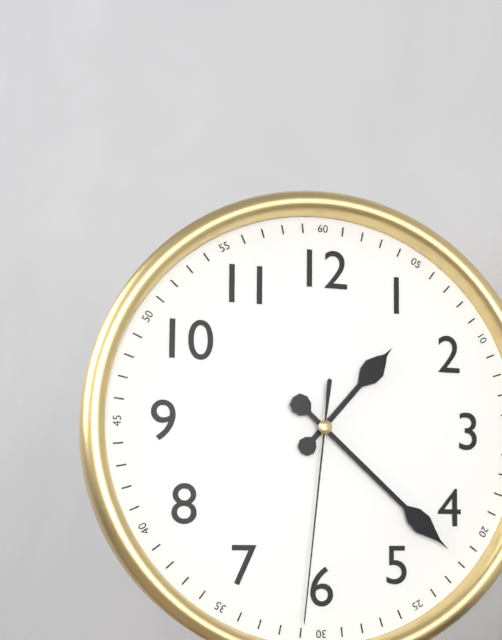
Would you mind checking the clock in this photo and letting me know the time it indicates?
1:22:31
